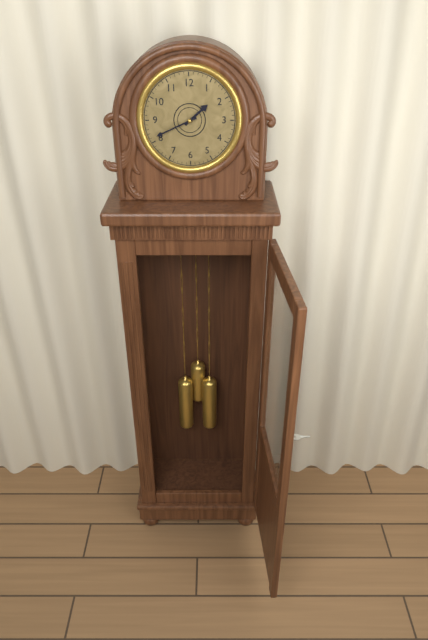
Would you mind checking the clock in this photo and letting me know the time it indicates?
1:41
